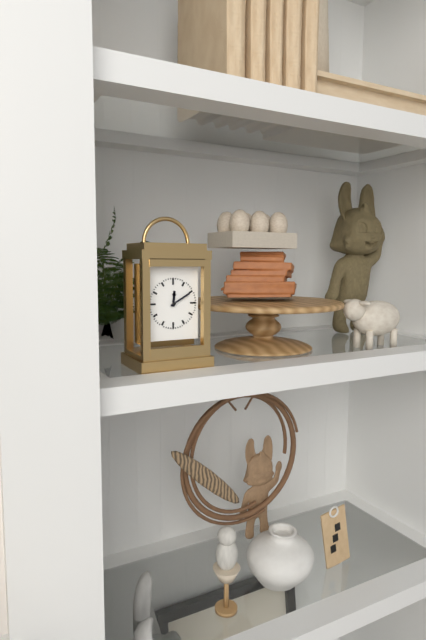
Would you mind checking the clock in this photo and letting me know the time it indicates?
12:10
